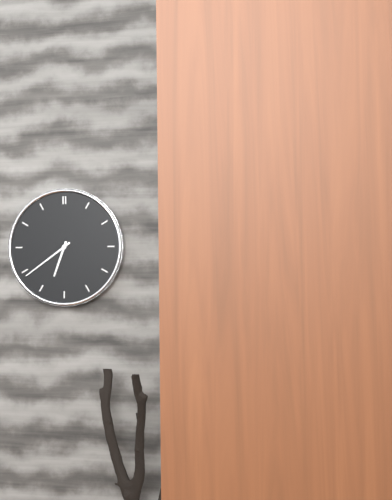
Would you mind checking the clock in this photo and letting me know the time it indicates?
6:39
